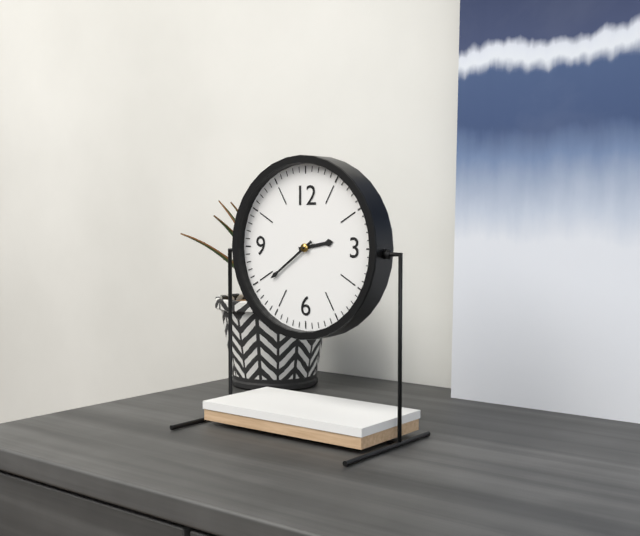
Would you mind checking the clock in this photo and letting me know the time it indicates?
2:39
